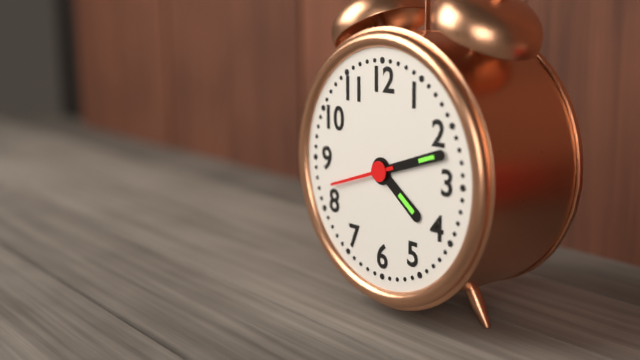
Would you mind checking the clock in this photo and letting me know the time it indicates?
4:12:42
